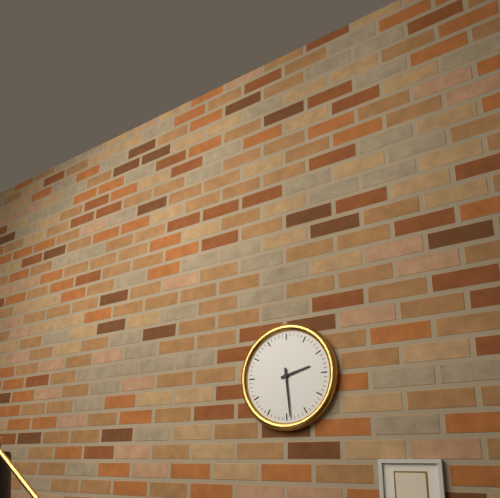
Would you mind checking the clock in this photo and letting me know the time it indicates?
2:29
